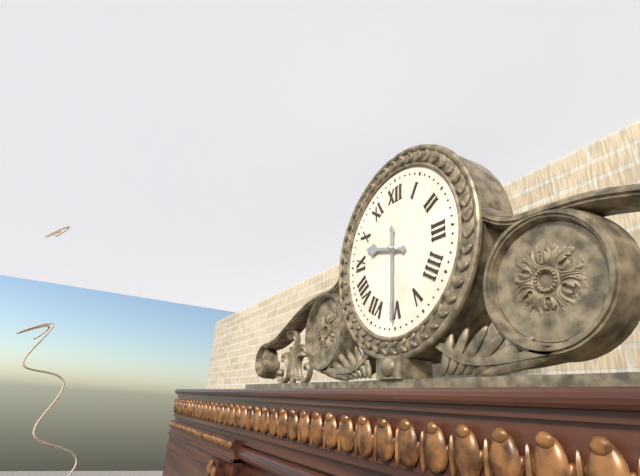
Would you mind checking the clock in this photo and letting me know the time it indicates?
9:30
